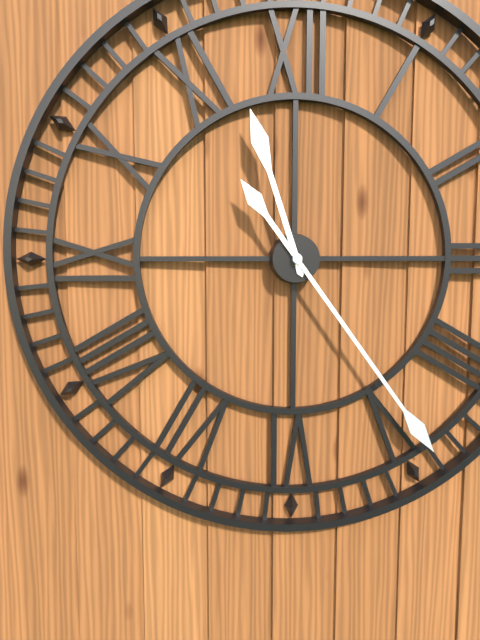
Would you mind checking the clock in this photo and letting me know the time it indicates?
11:24
